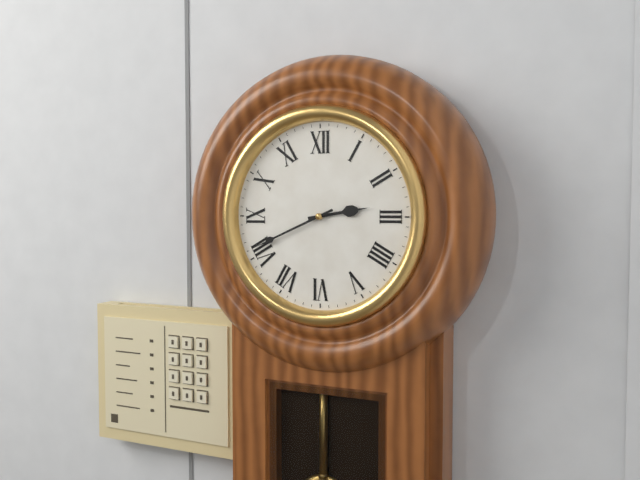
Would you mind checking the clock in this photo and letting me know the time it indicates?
2:41
